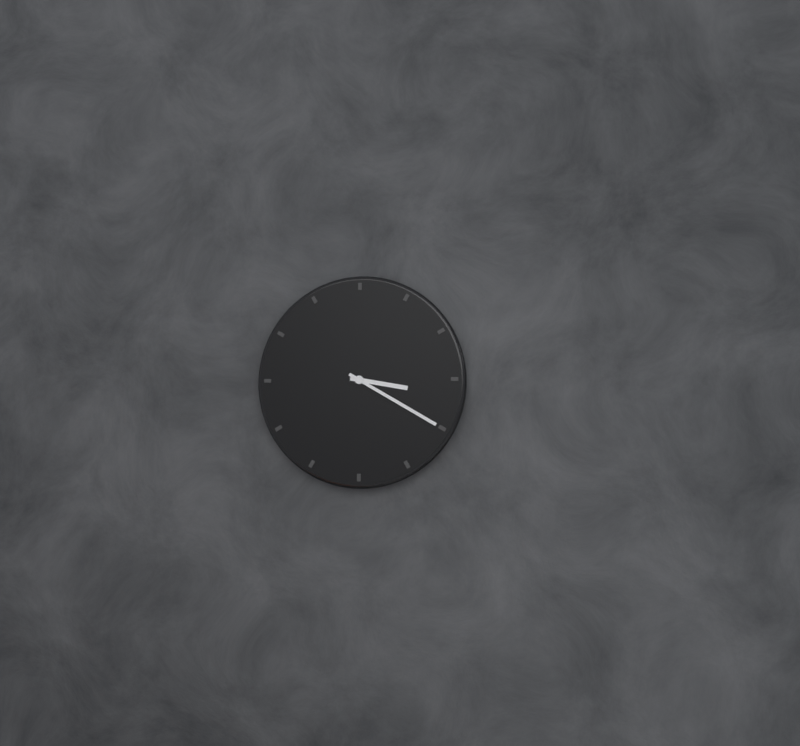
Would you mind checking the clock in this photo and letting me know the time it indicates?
3:20
